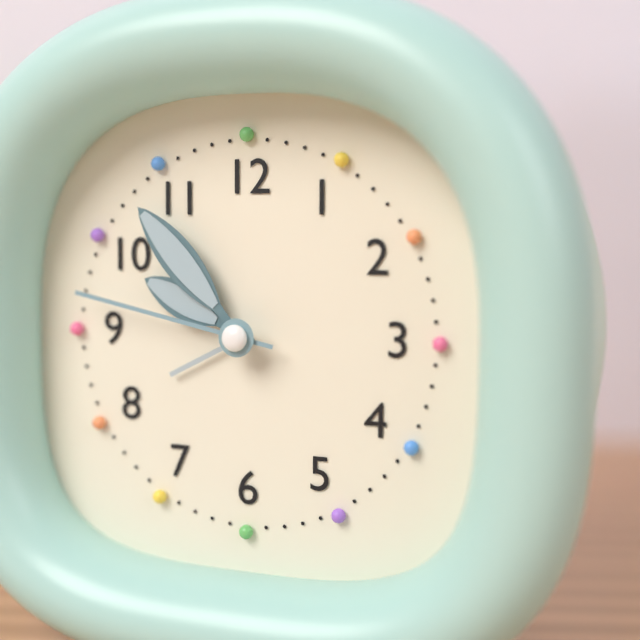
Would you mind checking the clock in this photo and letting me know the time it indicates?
9:53:47
